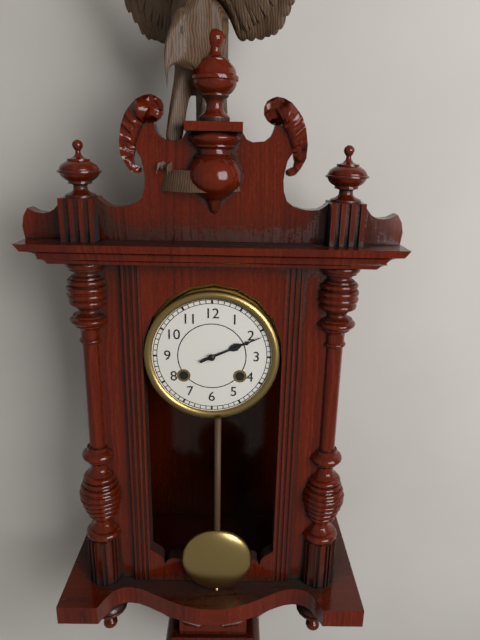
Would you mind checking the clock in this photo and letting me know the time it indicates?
2:11
